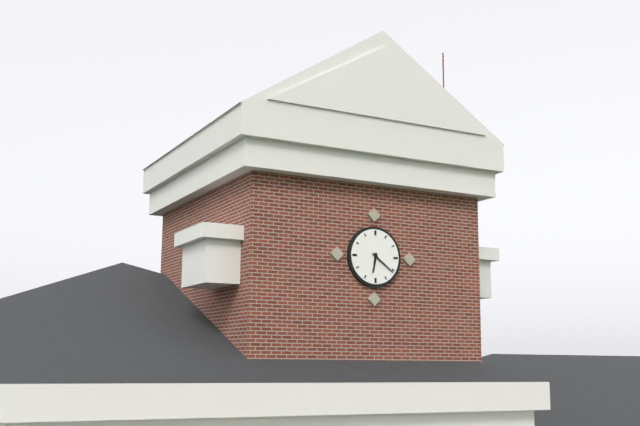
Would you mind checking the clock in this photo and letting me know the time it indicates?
6:21
